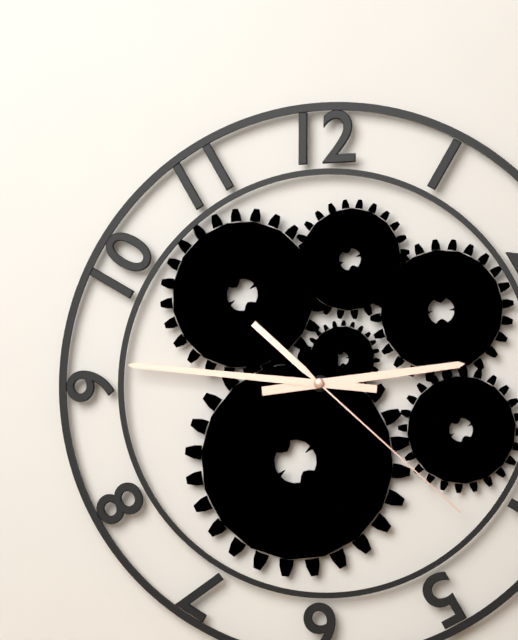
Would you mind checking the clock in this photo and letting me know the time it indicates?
2:46:22
